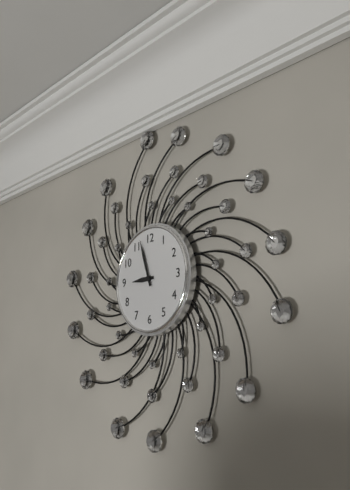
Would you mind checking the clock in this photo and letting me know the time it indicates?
8:57
